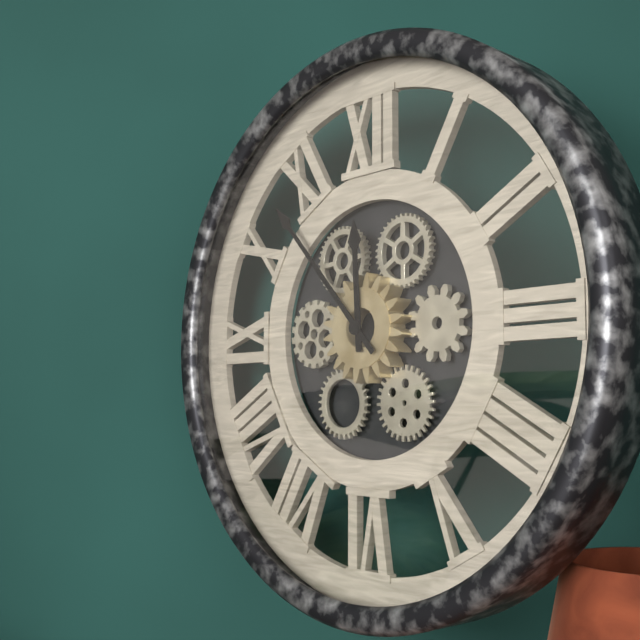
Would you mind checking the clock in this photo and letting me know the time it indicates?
11:53
